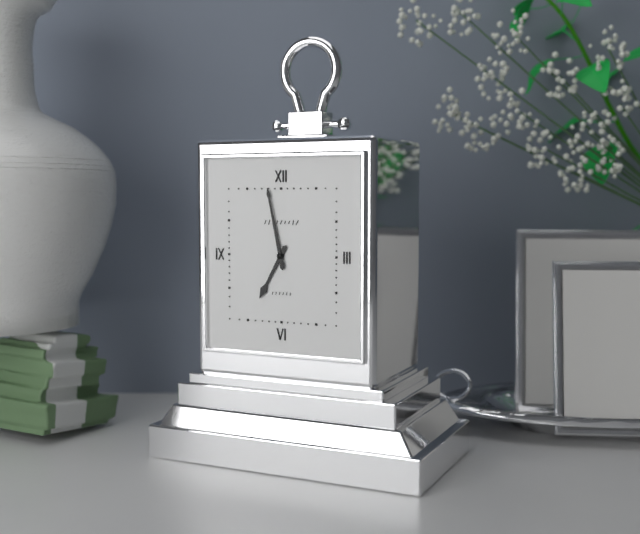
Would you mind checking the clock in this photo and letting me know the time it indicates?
6:58
